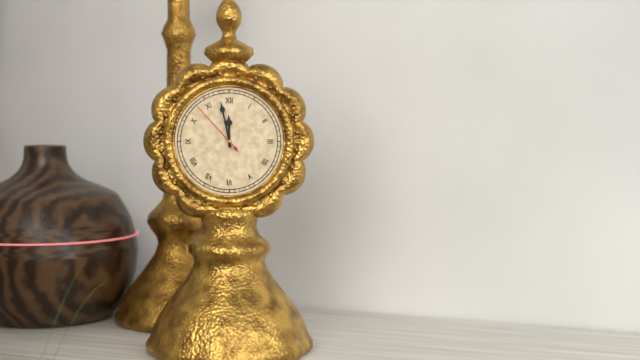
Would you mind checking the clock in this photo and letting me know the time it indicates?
11:58:53
